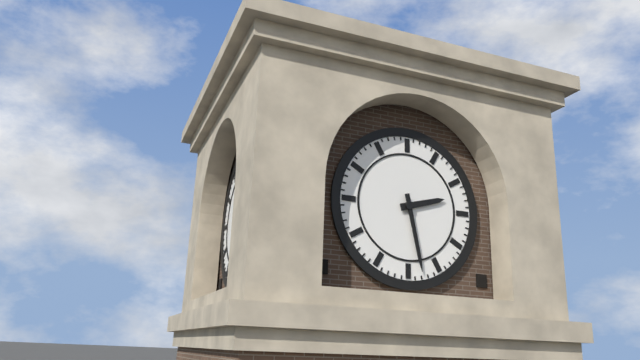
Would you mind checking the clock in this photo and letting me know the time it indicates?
2:28
